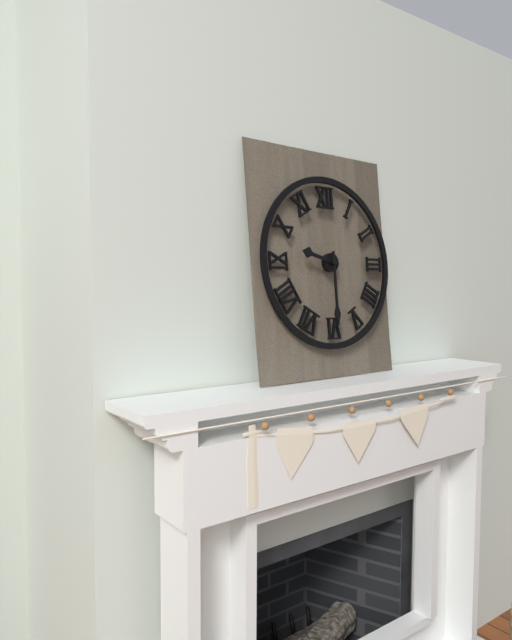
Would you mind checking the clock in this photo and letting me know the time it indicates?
9:30
